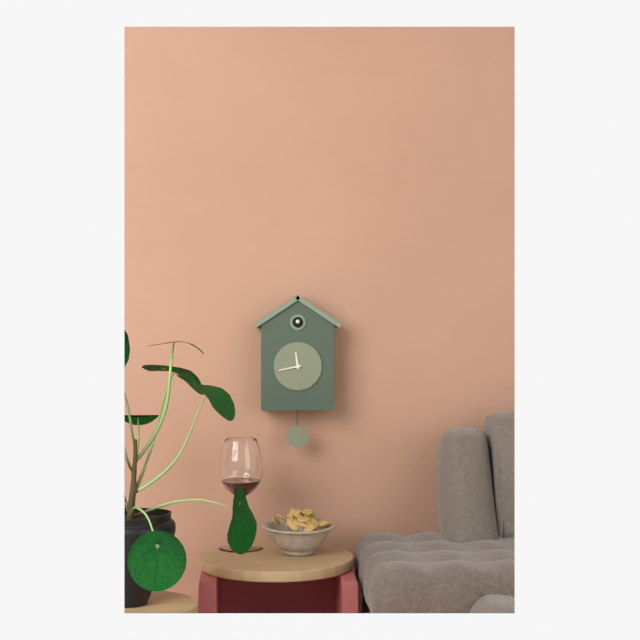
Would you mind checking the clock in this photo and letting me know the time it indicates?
11:43
